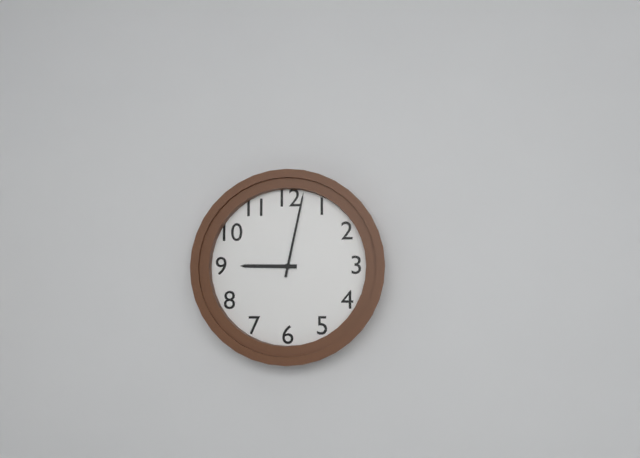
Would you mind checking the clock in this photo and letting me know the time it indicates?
9:02
